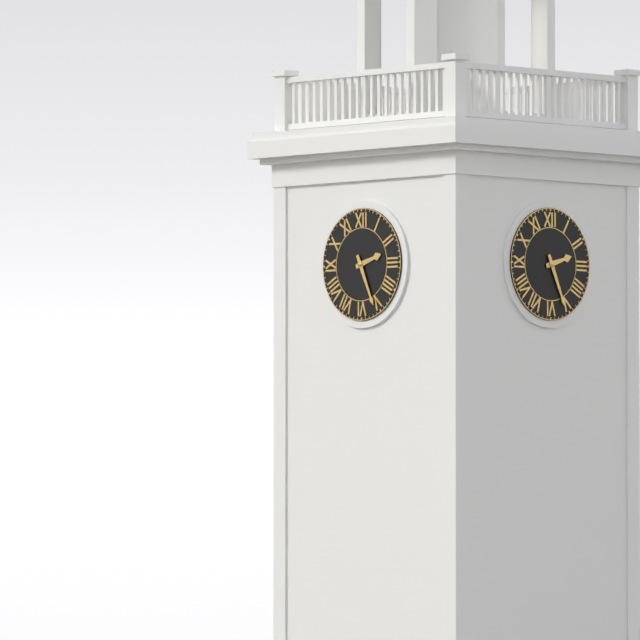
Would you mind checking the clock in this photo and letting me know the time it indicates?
2:26
